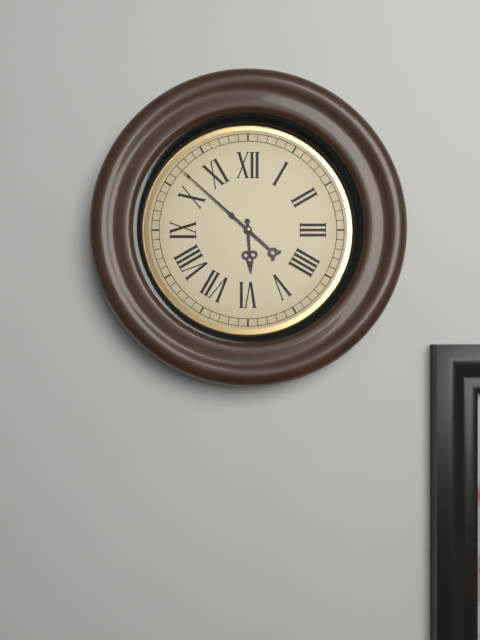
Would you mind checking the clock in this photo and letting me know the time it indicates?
5:52
